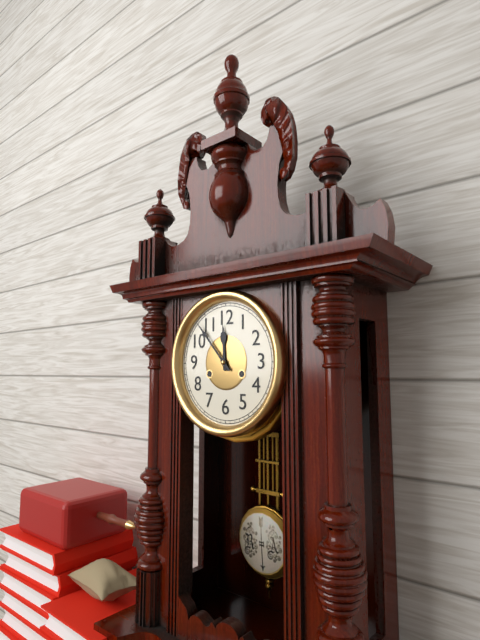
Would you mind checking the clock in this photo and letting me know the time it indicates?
11:53
